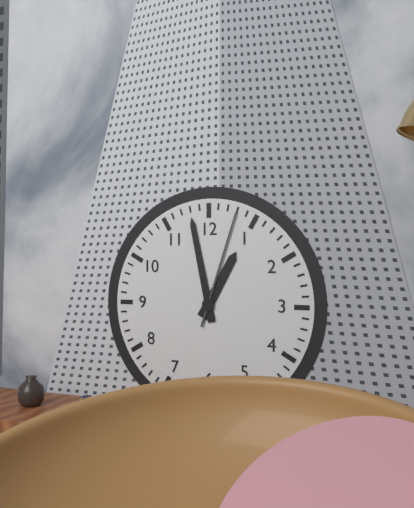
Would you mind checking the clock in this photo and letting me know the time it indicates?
12:58:03
